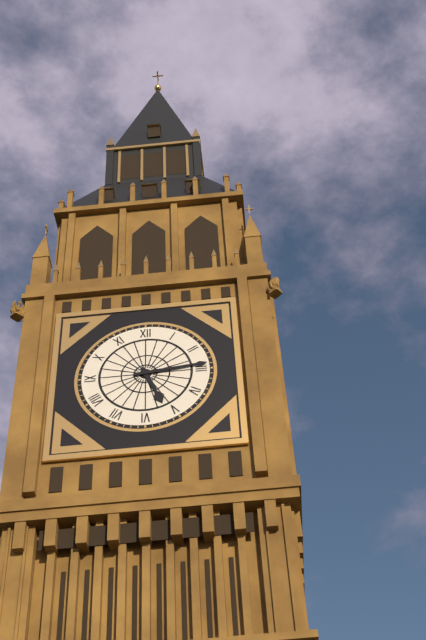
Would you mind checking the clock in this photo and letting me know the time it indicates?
5:14
